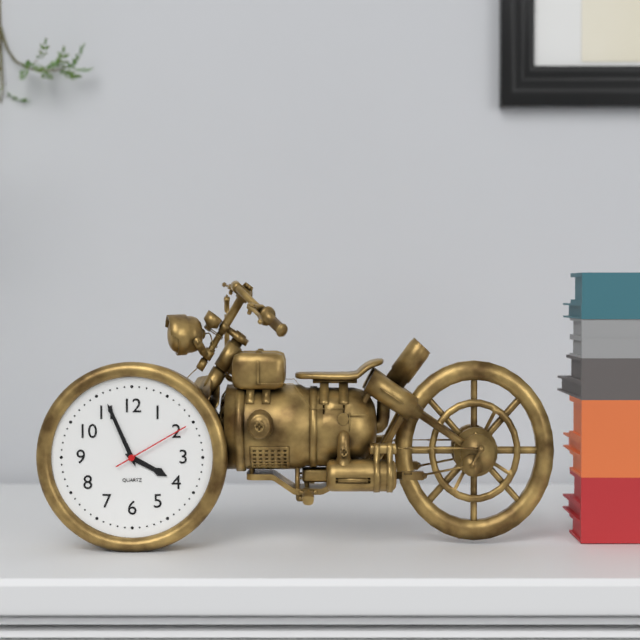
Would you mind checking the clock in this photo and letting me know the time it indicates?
3:56:10
